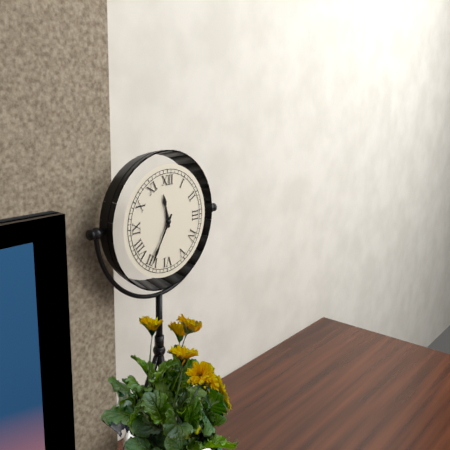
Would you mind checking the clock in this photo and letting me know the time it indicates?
11:35
